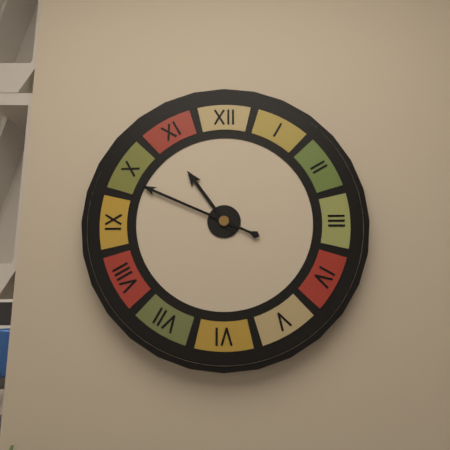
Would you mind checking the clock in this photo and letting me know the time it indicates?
10:49
